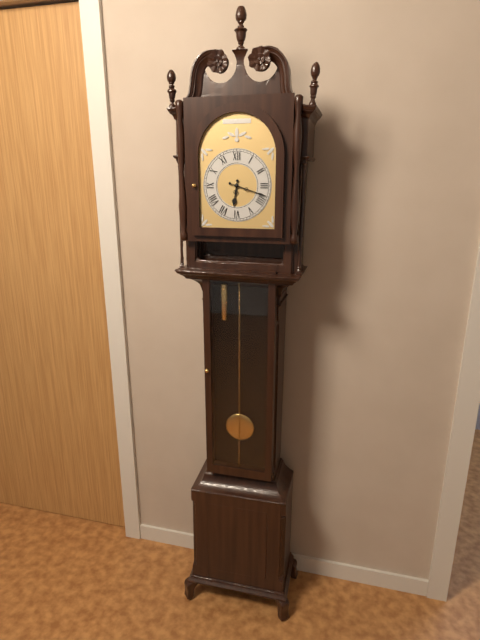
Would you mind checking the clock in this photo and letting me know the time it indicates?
6:18
